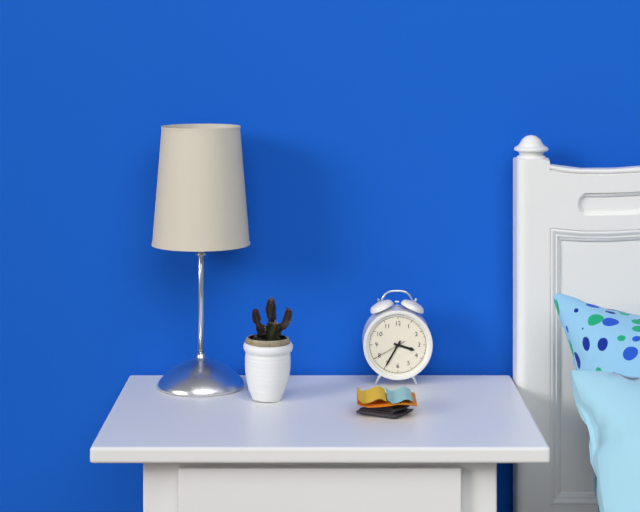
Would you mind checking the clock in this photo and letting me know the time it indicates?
3:35
